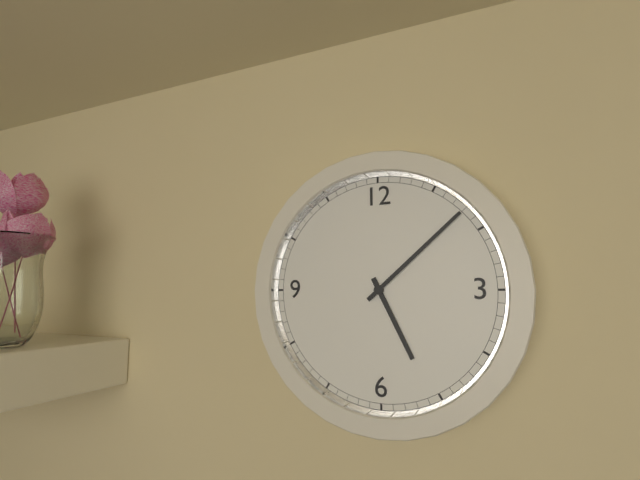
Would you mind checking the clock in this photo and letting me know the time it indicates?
5:08
